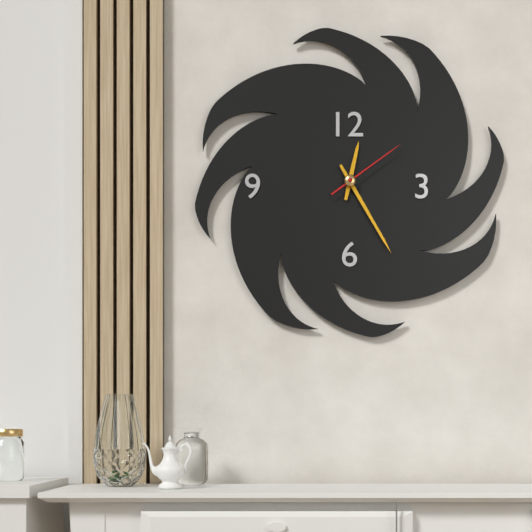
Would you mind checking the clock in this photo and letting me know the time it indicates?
12:25:09
